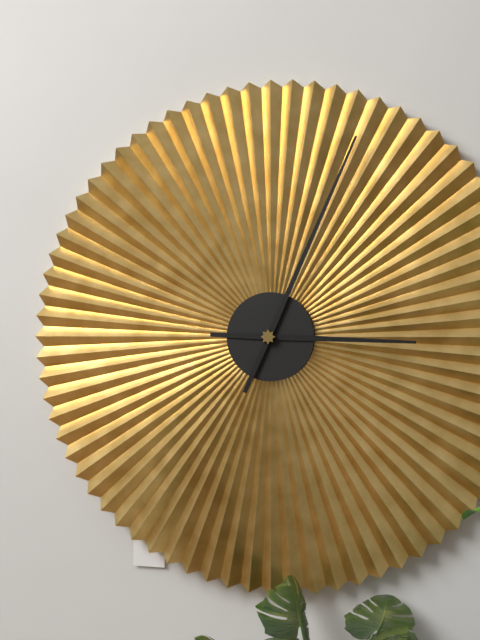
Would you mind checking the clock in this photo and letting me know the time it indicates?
3:04
